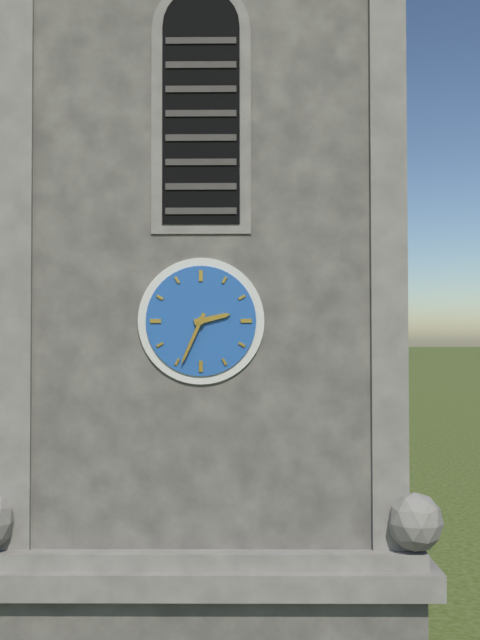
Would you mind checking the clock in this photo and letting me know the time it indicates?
2:34
